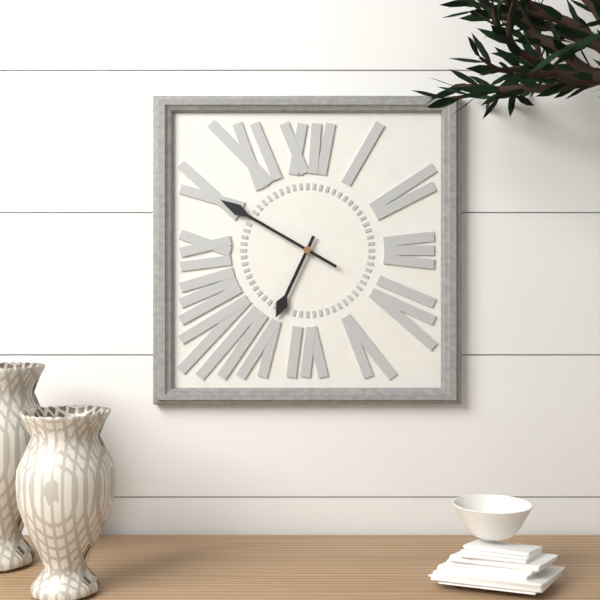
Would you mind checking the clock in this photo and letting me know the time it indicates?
6:50
